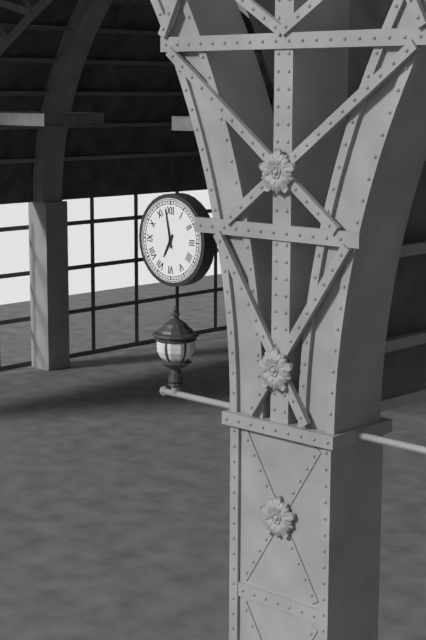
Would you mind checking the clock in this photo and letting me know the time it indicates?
6:58
